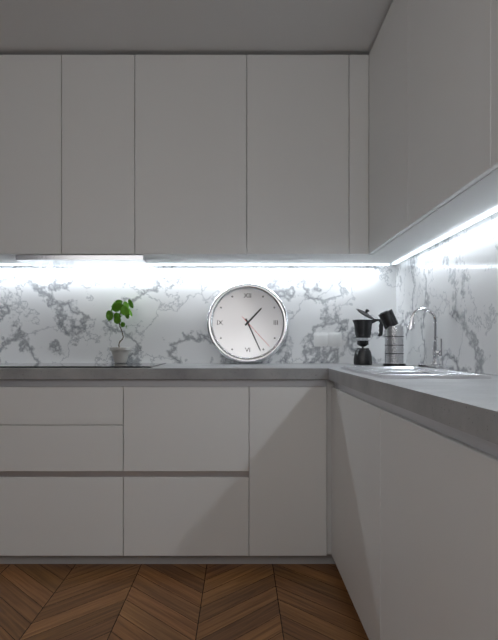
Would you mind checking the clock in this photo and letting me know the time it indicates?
1:26
